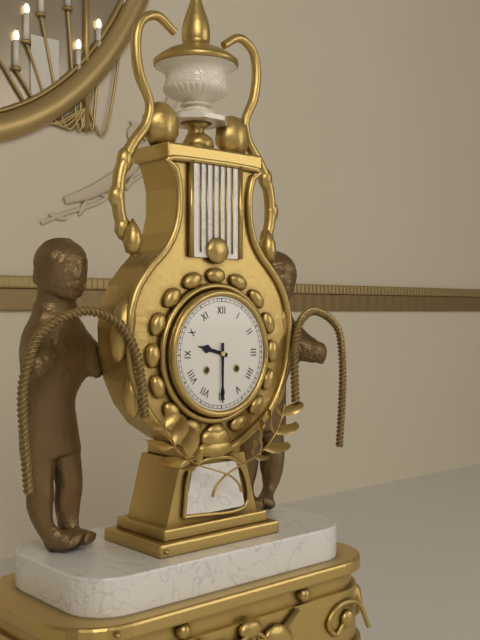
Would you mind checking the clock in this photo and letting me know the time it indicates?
9:30
